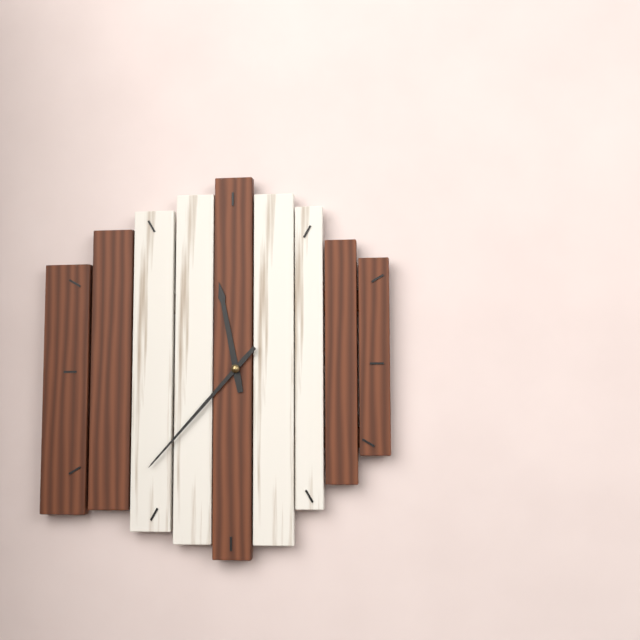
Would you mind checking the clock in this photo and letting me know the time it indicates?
11:37
